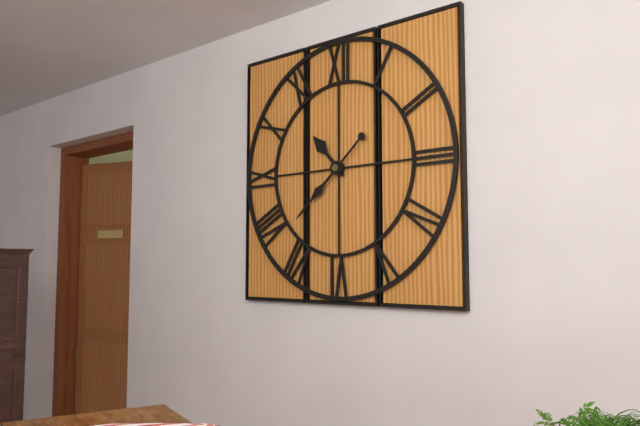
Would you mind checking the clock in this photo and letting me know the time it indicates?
10:38
